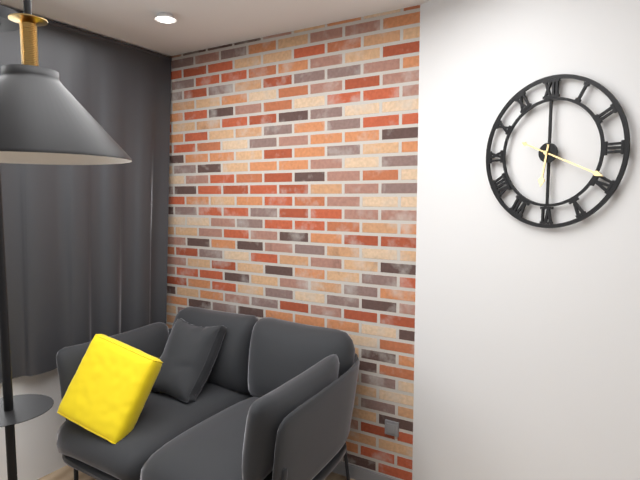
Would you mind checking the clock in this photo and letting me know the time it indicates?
6:19
